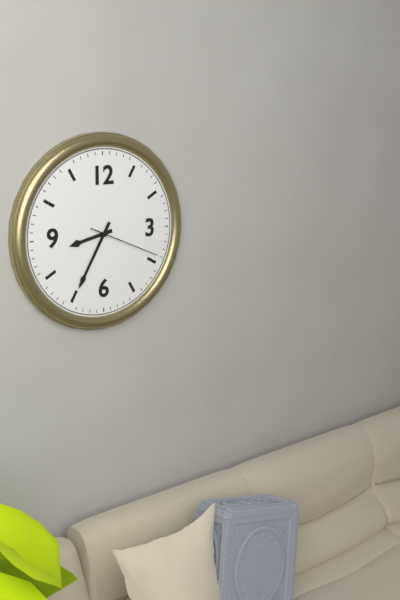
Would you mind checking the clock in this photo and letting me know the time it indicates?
8:35:19
